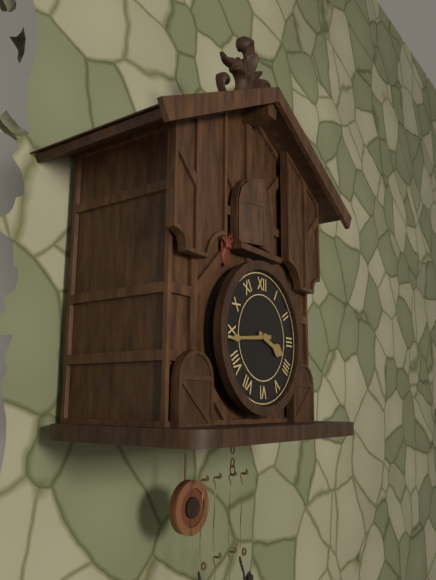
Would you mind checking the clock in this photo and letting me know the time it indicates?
3:44
